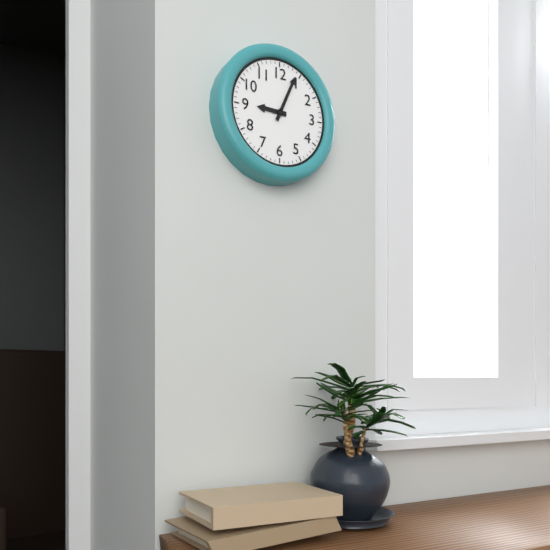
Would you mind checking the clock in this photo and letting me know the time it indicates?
9:04
